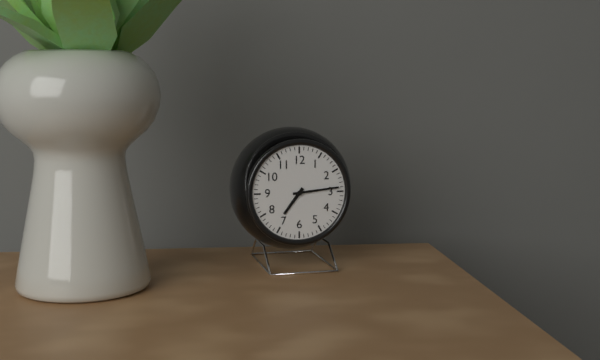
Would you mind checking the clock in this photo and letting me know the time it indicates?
7:14
